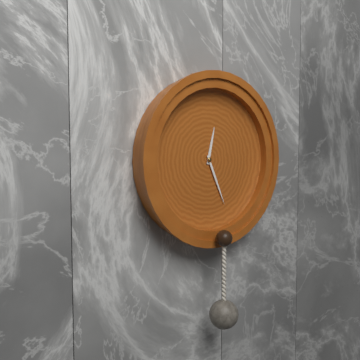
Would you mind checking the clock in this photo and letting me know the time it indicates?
12:26
